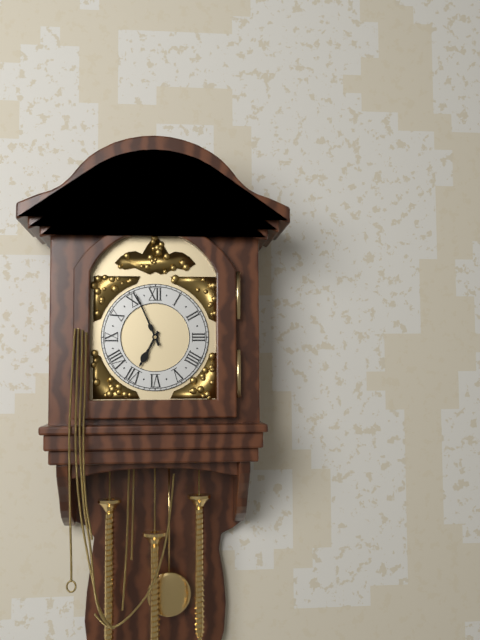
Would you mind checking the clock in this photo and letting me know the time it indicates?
6:56
